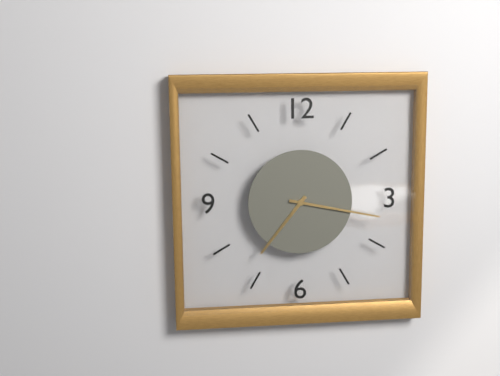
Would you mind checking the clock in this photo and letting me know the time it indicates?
7:17
